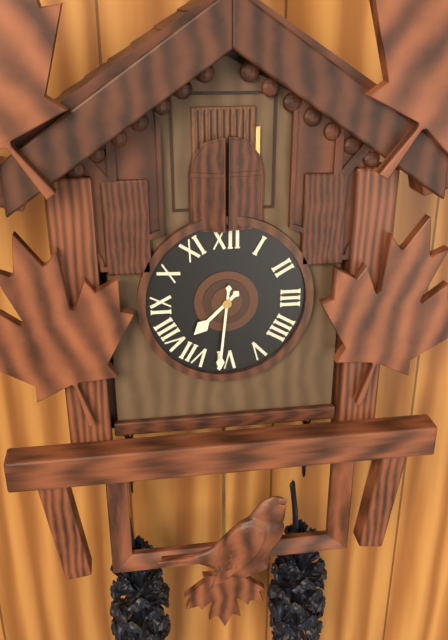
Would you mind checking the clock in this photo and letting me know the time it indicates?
7:31
